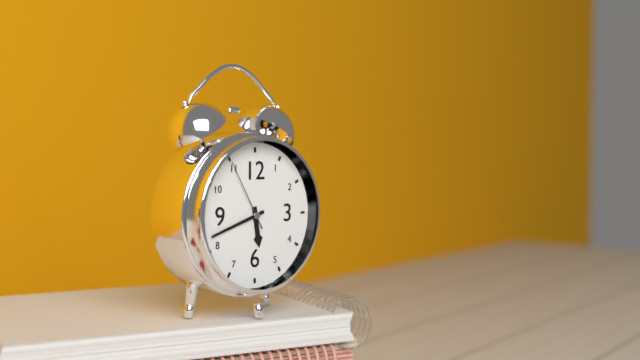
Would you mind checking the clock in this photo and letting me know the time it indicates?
5:42:55
